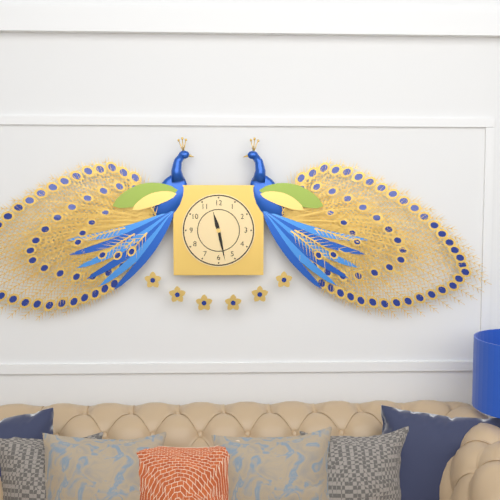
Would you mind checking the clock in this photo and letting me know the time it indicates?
11:28
